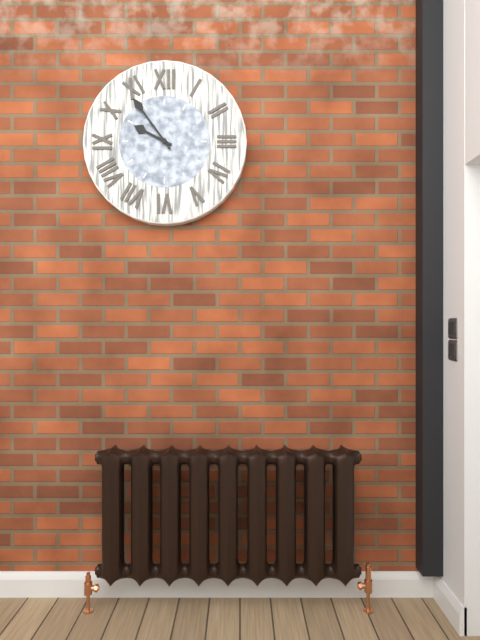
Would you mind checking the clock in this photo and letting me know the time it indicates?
9:54
